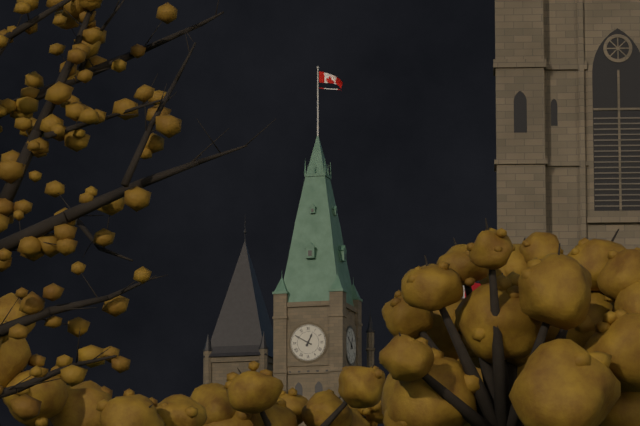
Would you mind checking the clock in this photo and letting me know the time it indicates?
12:50
